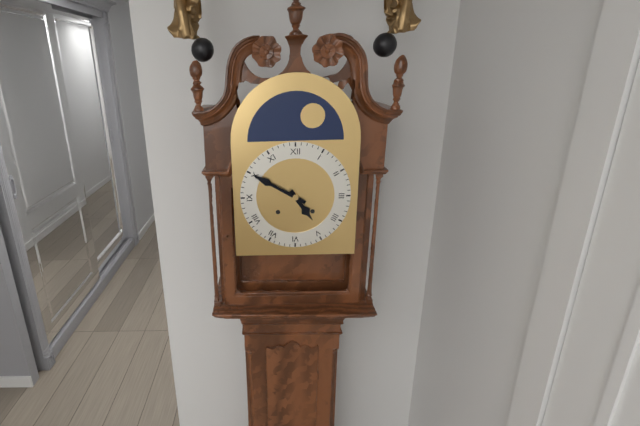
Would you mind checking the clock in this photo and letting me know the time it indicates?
4:50
